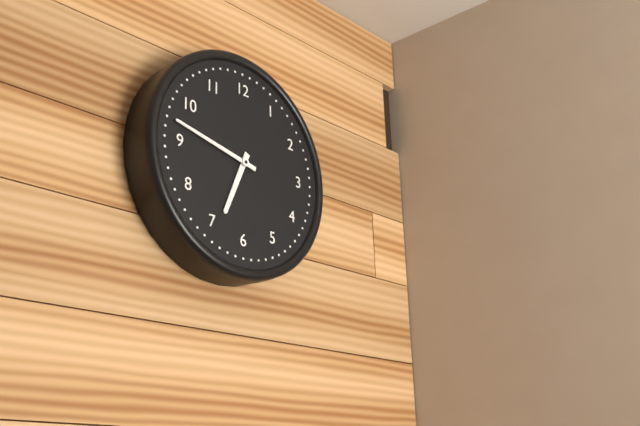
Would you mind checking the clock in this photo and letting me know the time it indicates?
6:47
